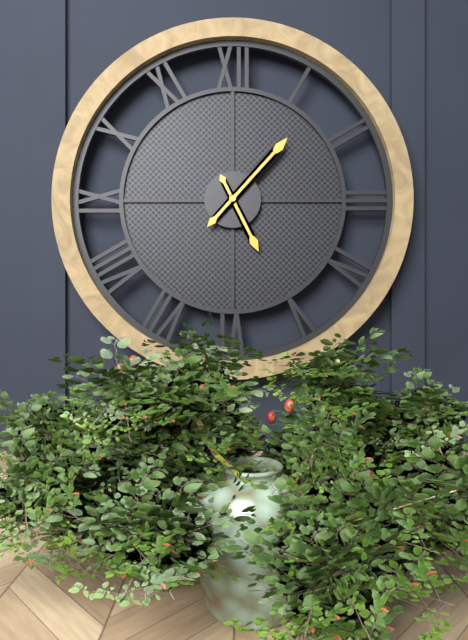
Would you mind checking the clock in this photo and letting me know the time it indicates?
5:07
